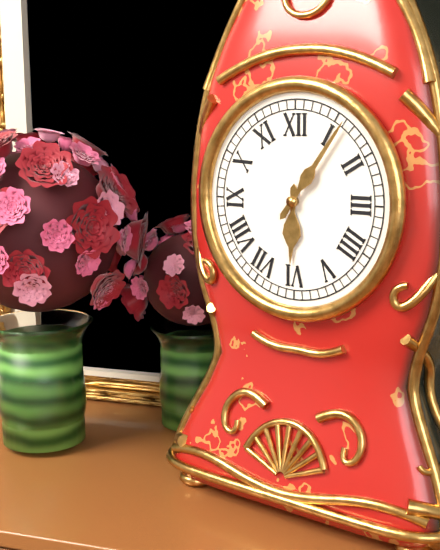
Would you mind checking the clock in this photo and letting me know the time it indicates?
6:06
